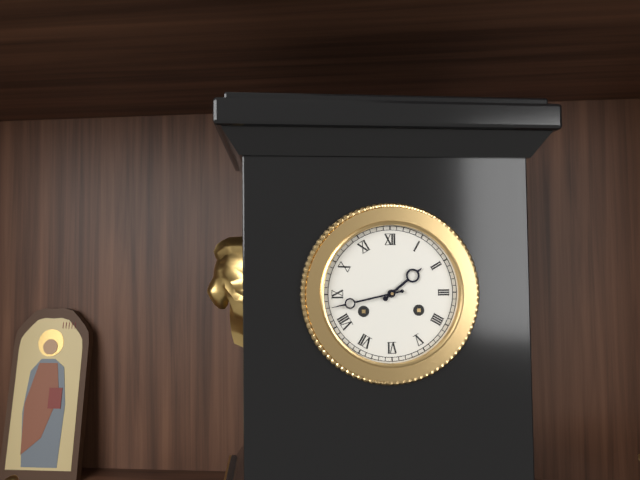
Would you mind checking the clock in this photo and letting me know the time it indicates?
1:43
